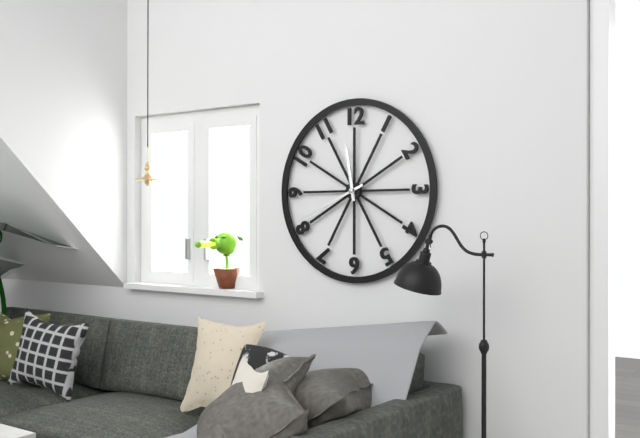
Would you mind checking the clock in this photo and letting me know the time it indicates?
11:41
